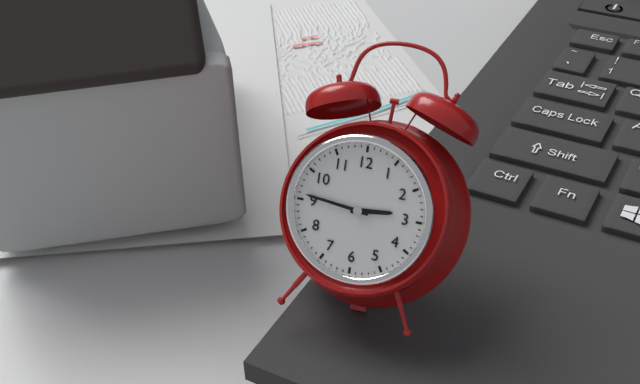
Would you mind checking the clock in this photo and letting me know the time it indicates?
2:46
